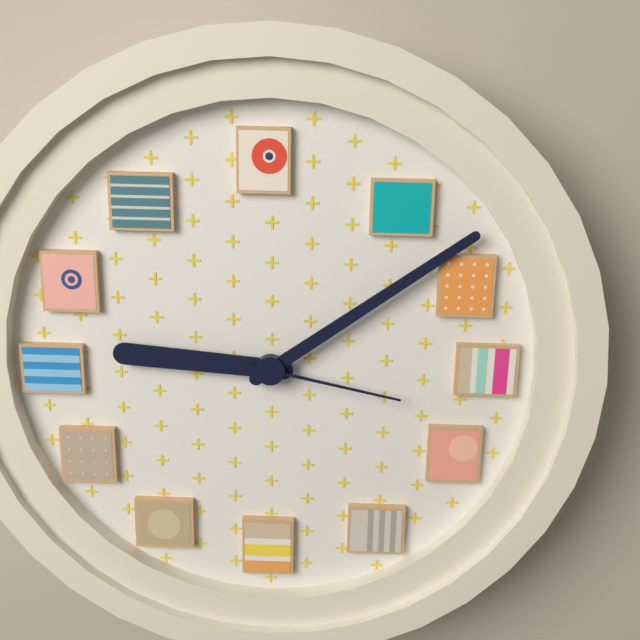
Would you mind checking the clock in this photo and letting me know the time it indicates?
9:09:17
